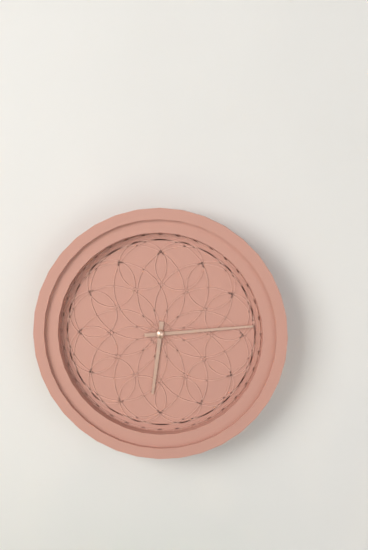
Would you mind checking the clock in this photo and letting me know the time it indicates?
6:14
